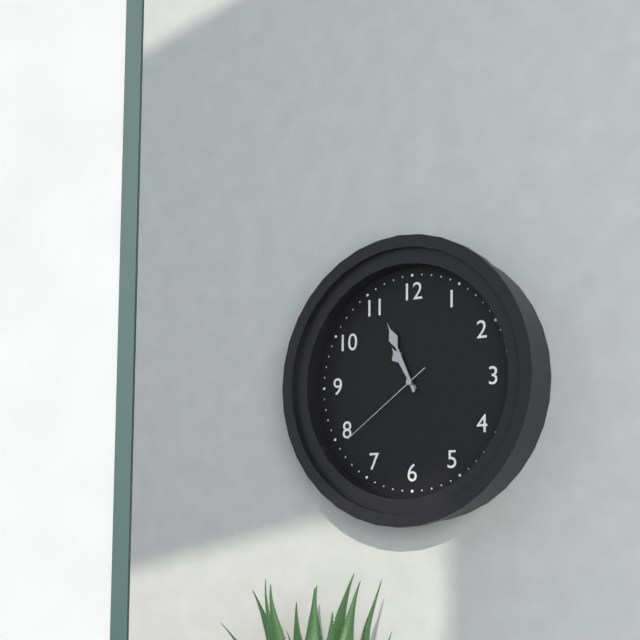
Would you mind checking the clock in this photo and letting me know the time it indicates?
10:56:39
